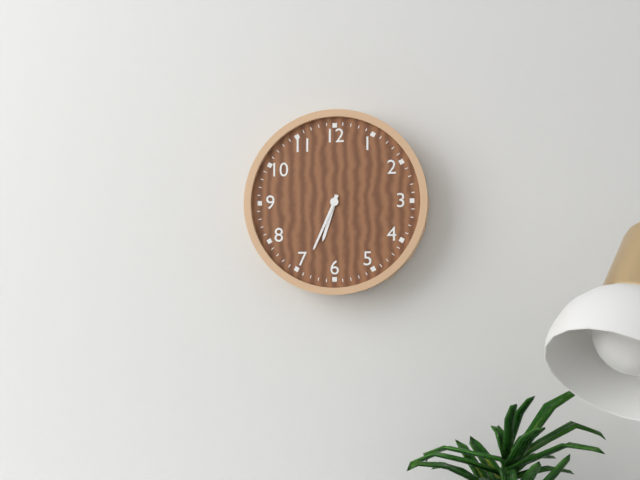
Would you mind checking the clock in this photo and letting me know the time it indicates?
6:34
